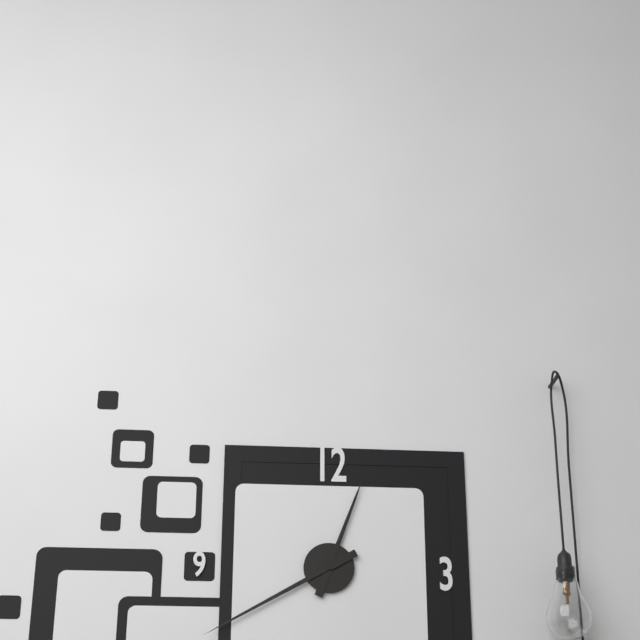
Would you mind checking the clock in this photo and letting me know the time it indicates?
12:40
